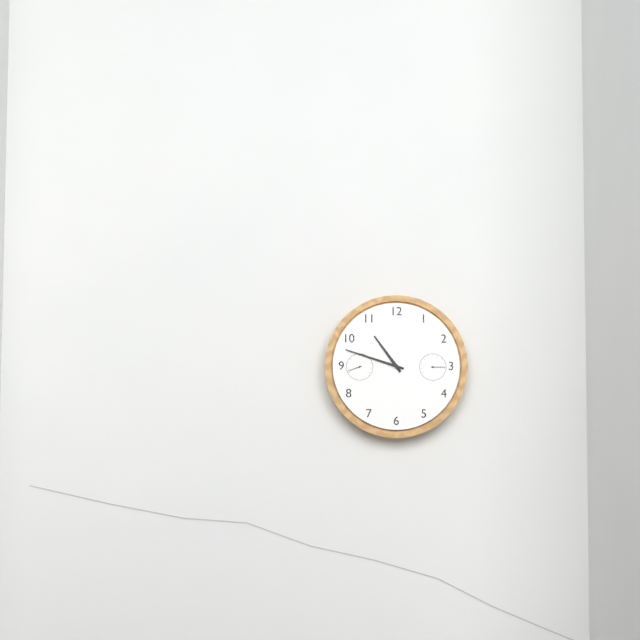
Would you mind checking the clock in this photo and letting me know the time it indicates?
10:48
